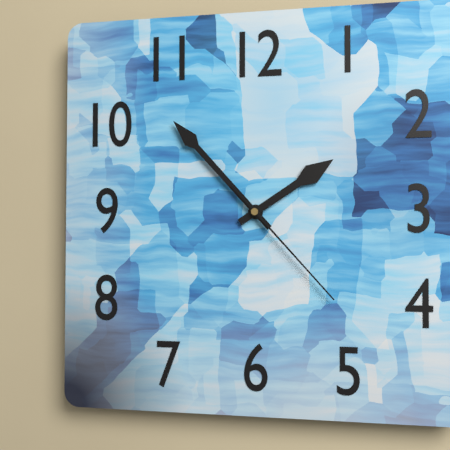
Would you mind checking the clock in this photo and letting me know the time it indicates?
1:53:23
